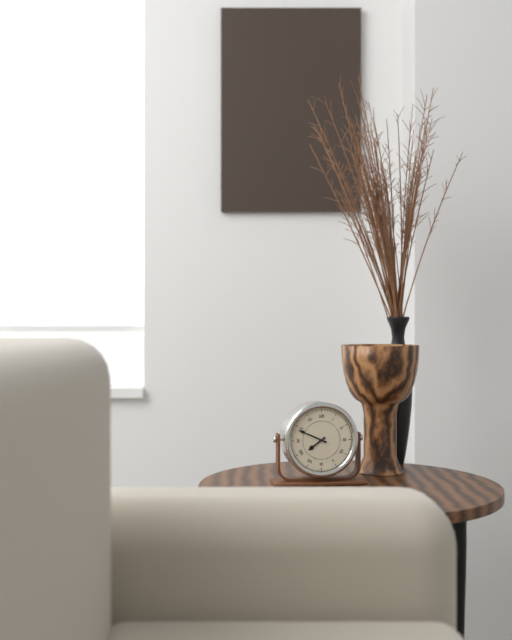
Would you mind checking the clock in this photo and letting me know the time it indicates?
7:49
